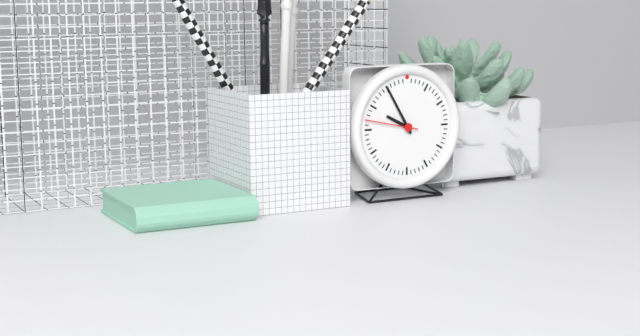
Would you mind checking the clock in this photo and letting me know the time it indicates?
9:55:47
